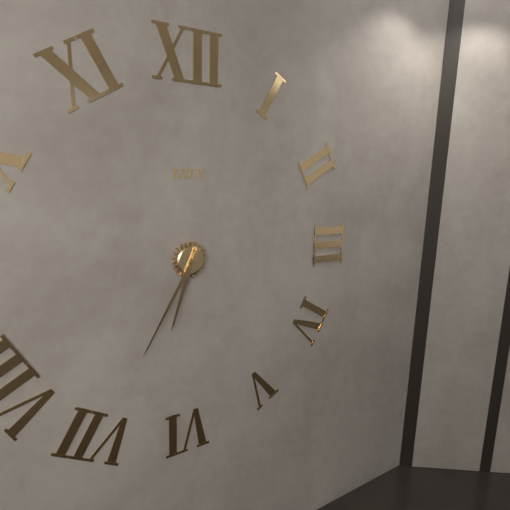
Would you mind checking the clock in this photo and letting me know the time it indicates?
6:35
